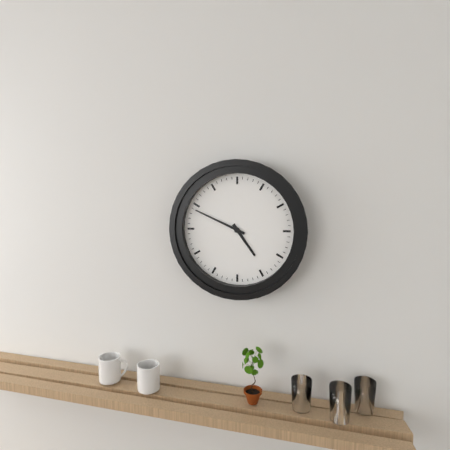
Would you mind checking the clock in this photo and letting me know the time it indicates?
4:49
